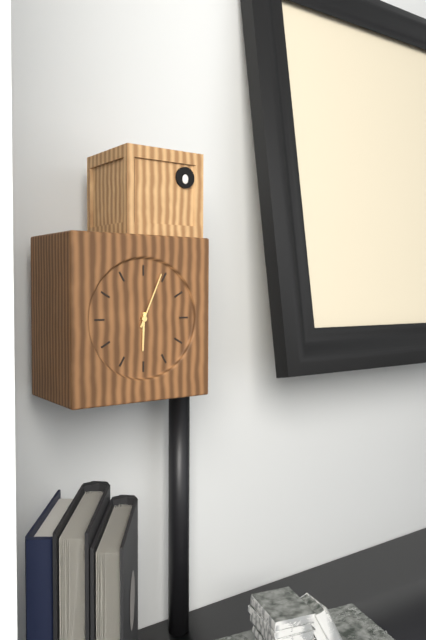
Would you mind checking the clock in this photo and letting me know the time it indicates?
6:04
